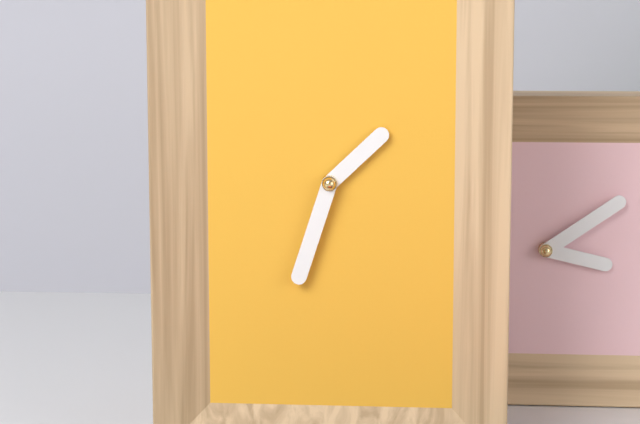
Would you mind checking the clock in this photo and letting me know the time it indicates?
1:33
